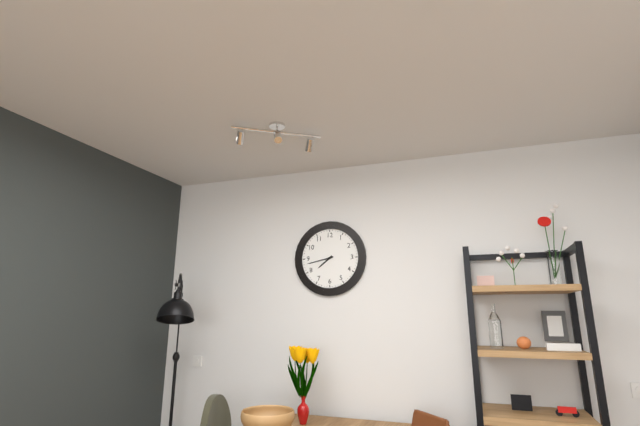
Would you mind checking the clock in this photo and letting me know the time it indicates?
7:43
